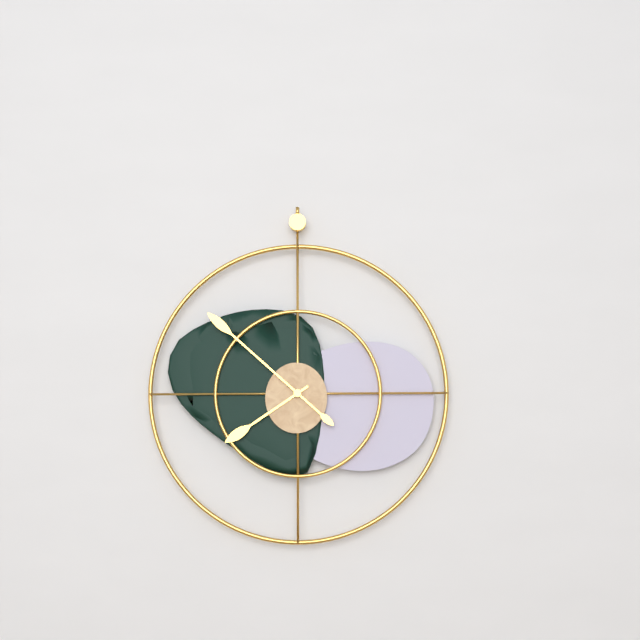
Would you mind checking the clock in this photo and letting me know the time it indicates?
7:52
